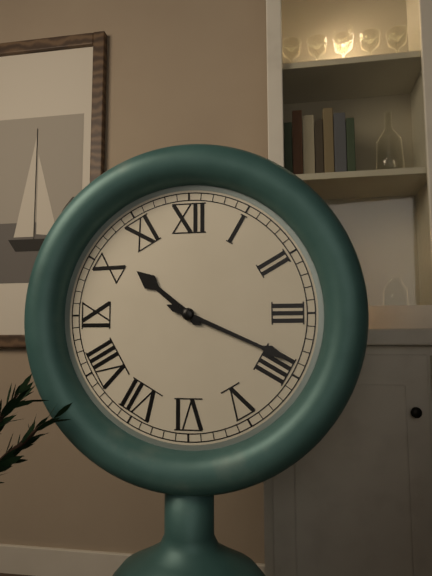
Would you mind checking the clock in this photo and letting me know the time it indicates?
10:19
